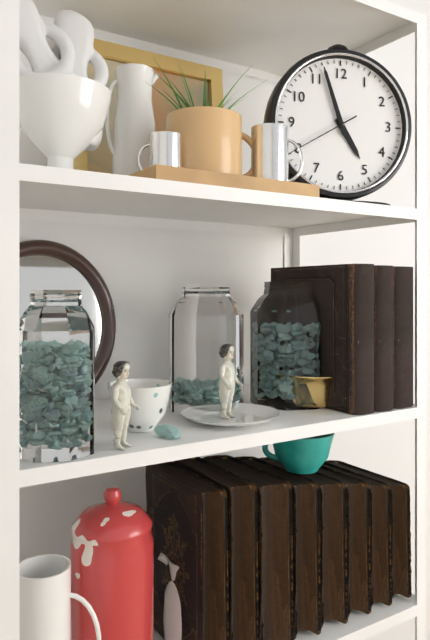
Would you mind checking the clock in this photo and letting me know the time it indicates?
4:57:40
